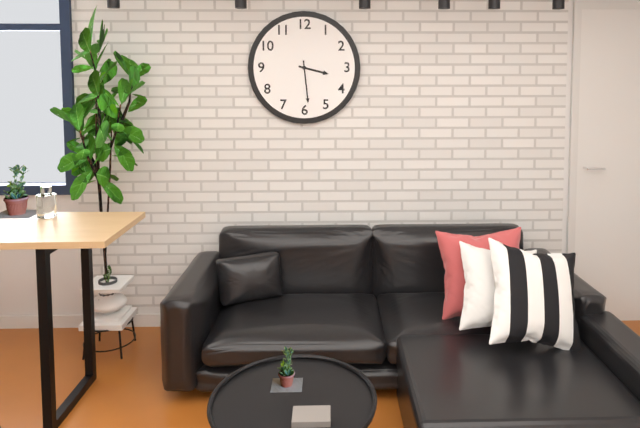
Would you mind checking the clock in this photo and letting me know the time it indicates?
3:29
